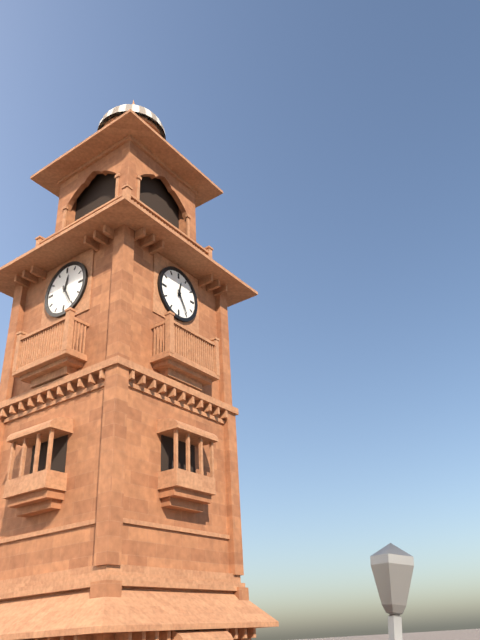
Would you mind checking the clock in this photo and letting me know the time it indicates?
12:25
